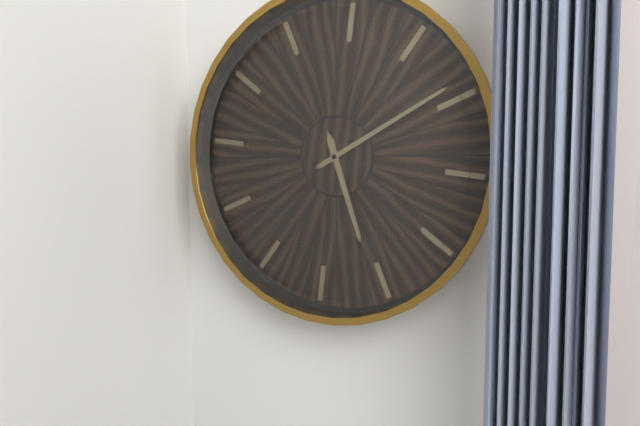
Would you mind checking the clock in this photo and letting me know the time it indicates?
5:09
